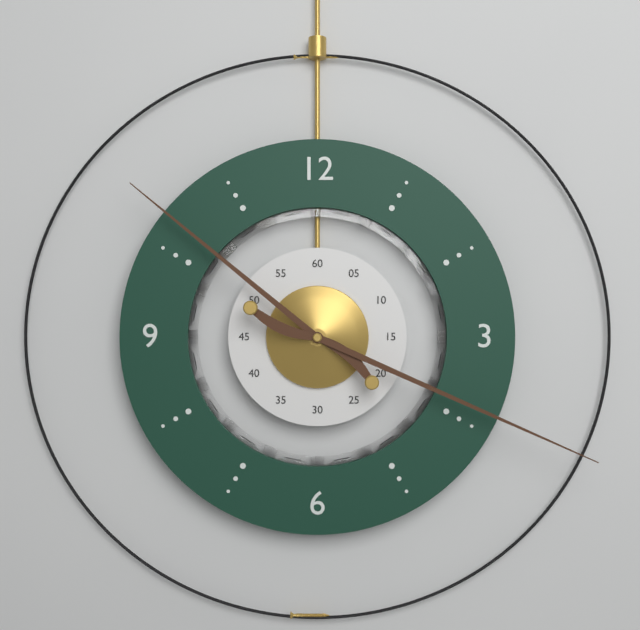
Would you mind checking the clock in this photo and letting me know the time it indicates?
10:19
